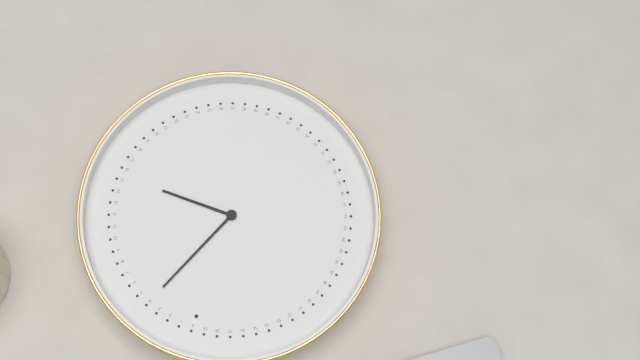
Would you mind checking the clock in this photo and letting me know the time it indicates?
3:04
